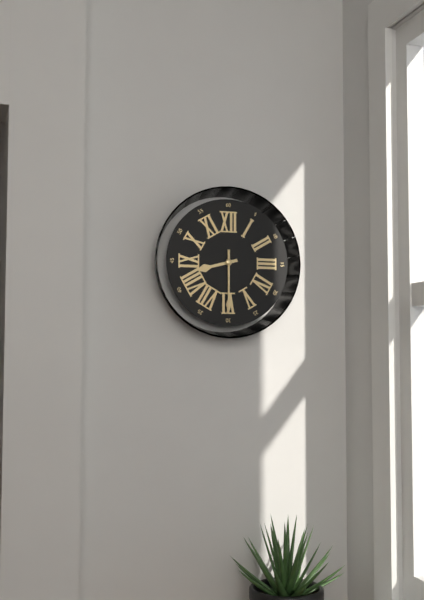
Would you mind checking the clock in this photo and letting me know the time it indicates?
8:30
